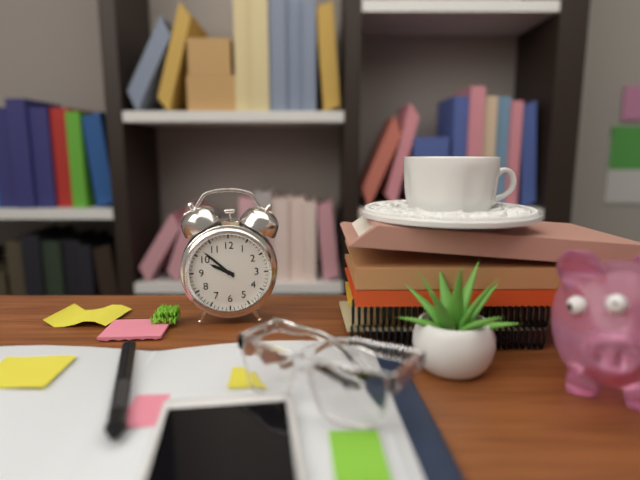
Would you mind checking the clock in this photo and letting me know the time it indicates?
9:52
